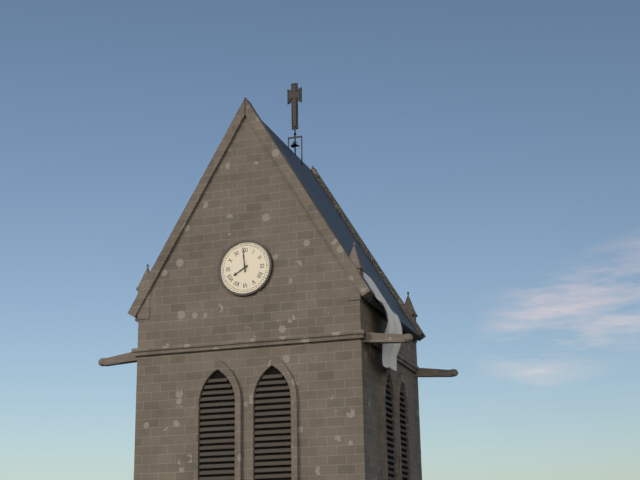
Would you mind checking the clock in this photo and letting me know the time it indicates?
7:59
